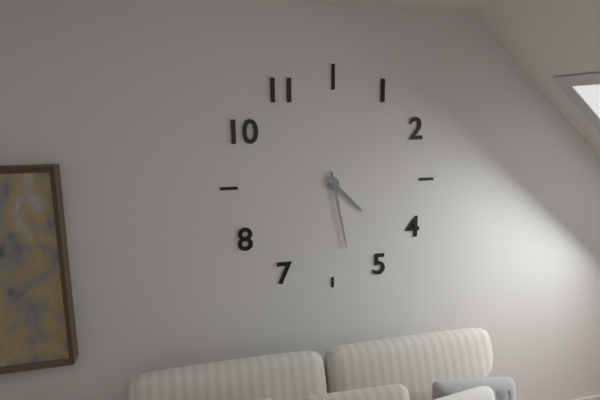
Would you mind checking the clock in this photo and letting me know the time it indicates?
4:28
